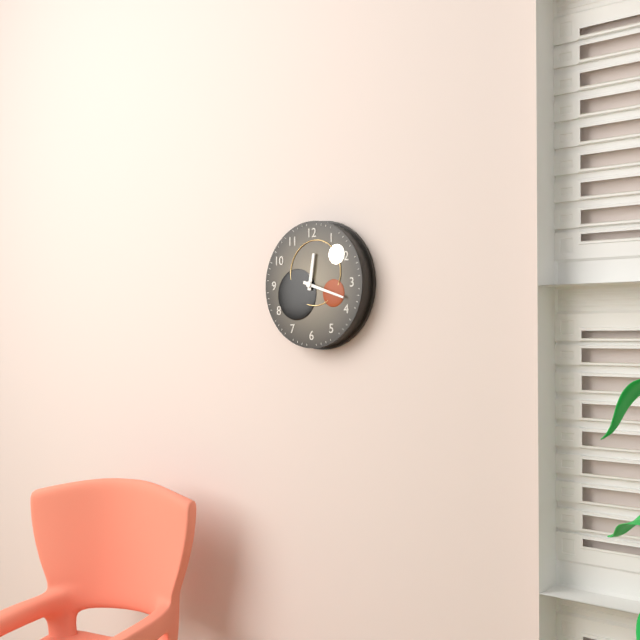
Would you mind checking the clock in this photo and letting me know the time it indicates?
12:18
